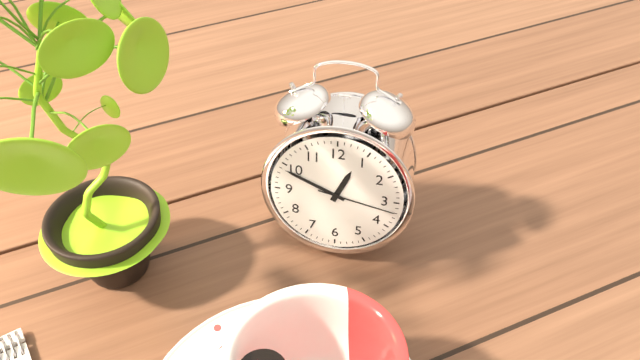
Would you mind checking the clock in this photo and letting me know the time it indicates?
12:49:17
